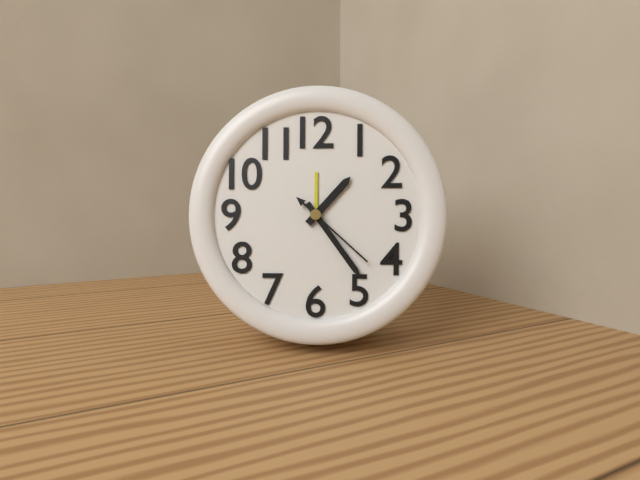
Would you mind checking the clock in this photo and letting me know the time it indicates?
1:24:22
